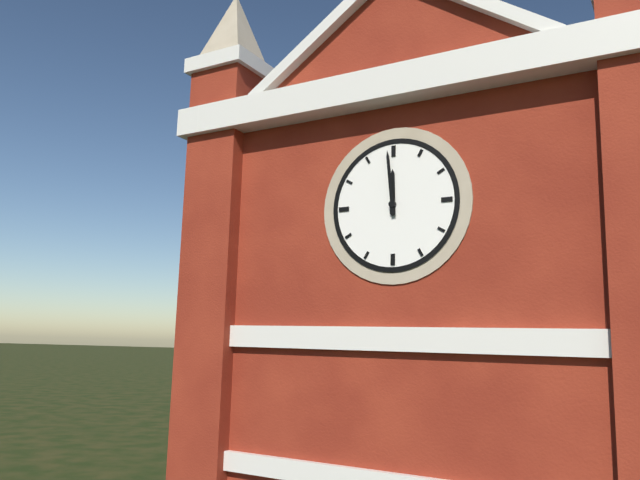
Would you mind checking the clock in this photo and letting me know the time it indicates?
11:59
